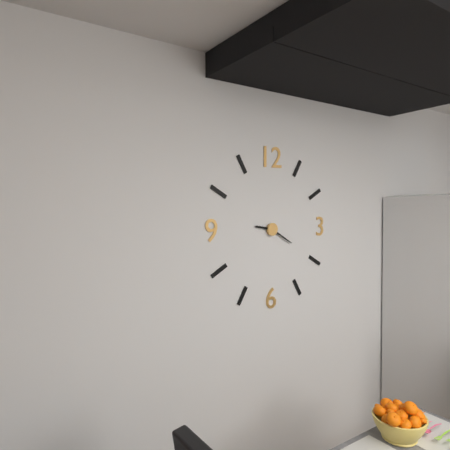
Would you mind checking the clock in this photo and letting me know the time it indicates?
9:20
